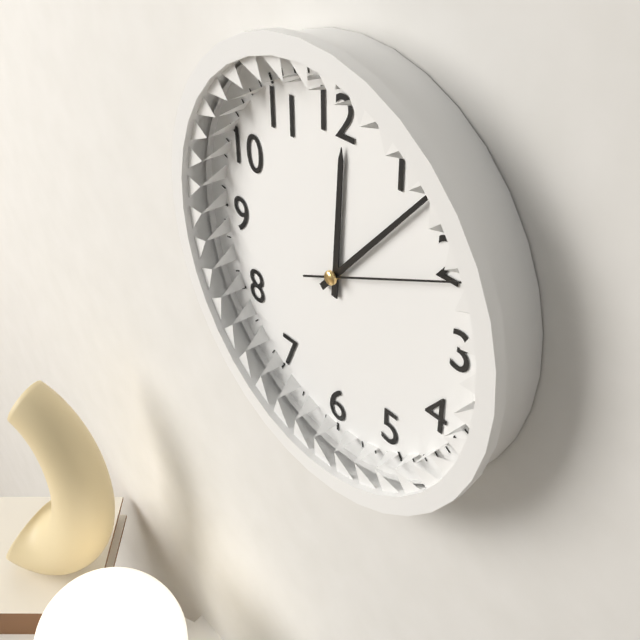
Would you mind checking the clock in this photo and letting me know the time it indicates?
12:07:11
